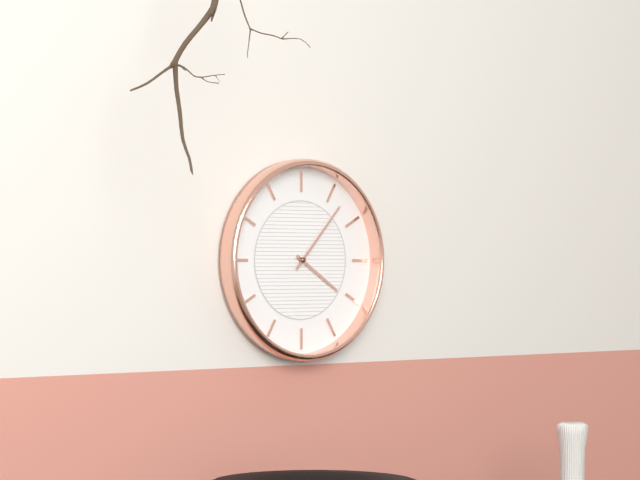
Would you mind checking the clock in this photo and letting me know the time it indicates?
4:07
